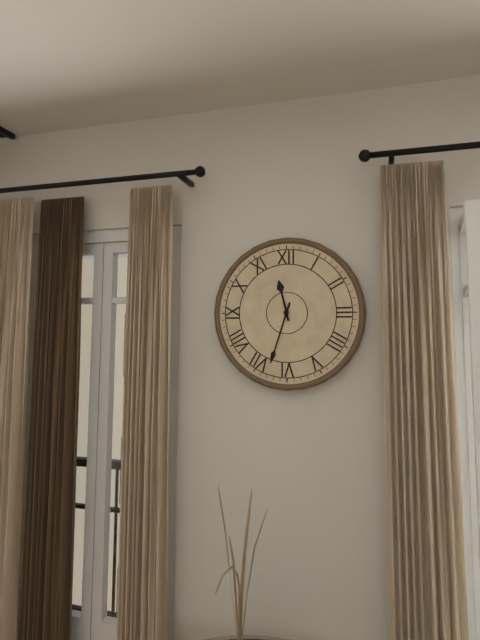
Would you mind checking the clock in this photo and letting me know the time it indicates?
11:33
